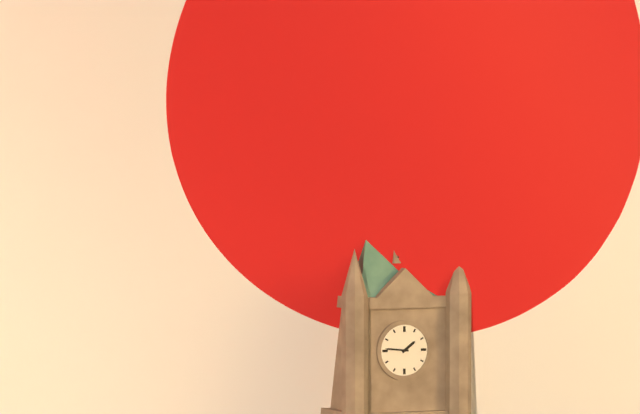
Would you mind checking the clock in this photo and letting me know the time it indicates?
1:46
